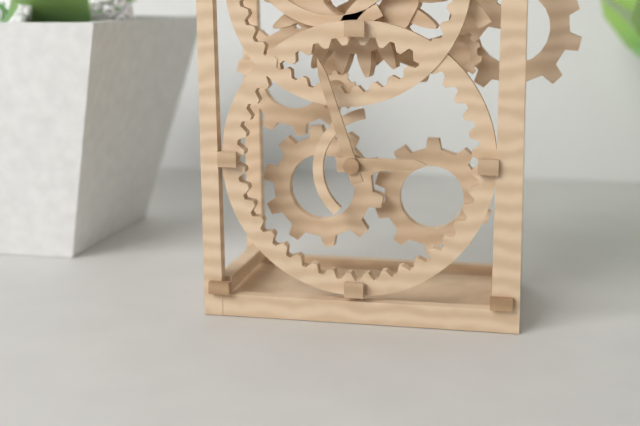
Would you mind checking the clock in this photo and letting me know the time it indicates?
2:57
